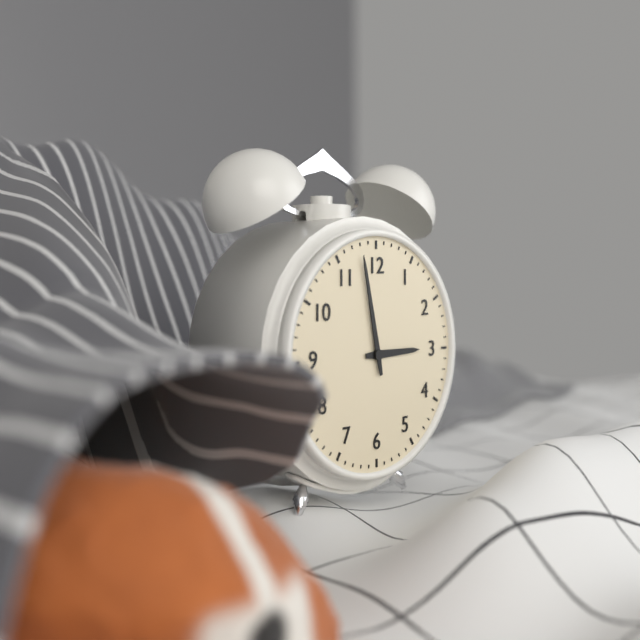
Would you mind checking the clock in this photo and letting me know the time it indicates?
2:58
